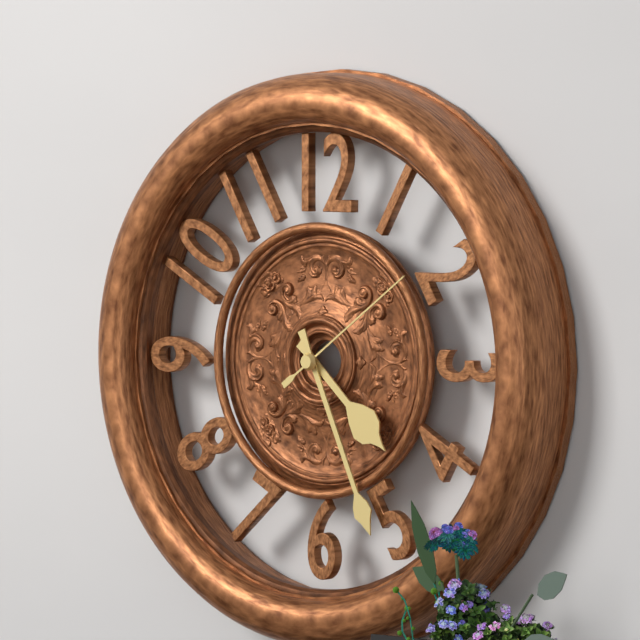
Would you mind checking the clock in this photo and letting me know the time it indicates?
4:26:09
